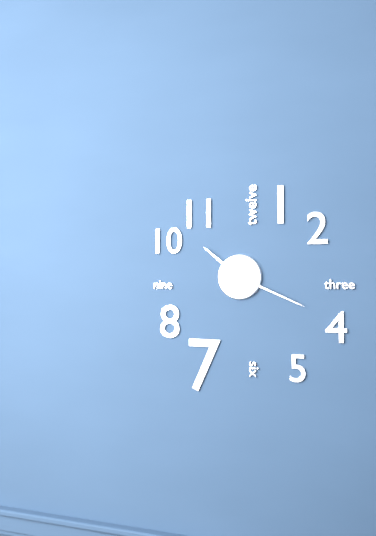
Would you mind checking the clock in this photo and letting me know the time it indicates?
10:19
